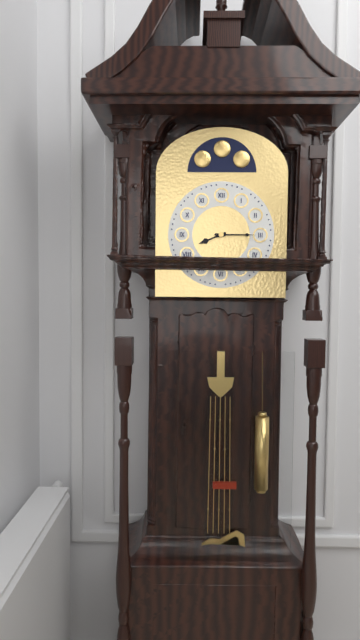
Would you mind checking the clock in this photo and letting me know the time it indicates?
8:15
